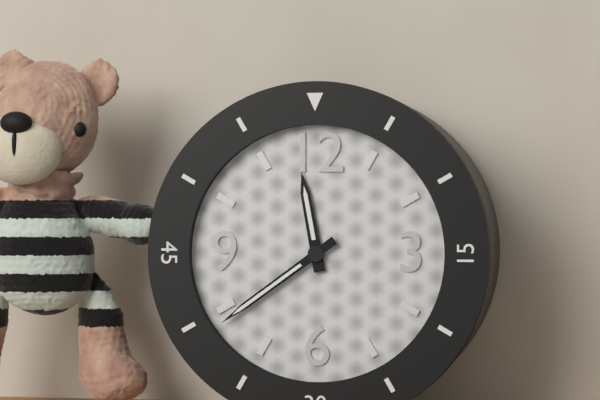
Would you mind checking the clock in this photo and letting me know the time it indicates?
11:39
